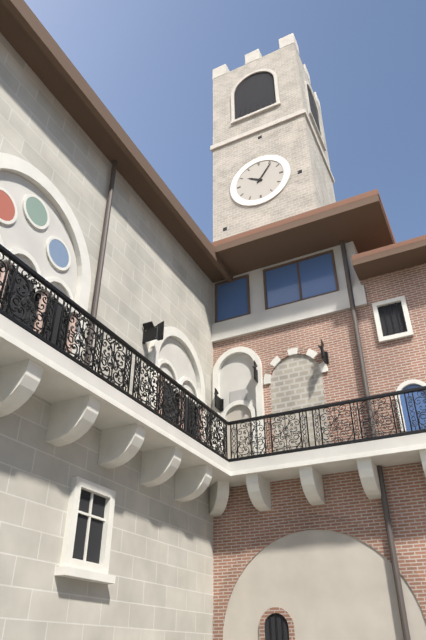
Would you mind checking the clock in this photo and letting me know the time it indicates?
10:06
